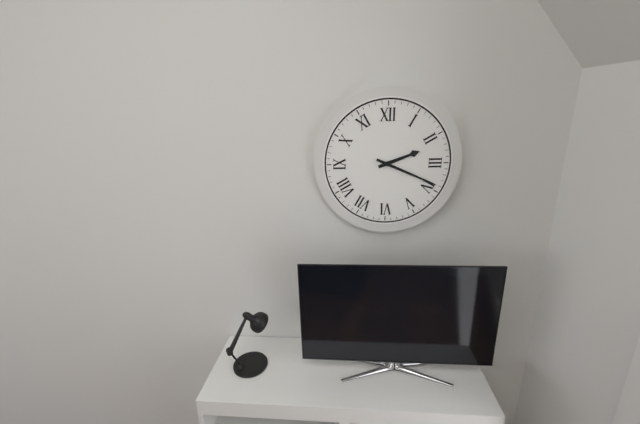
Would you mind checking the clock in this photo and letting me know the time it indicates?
2:19
